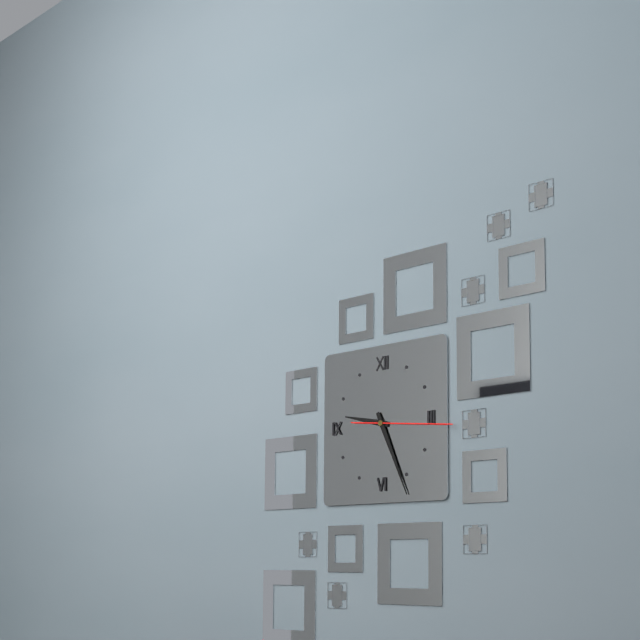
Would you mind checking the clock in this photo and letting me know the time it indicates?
9:26:16
